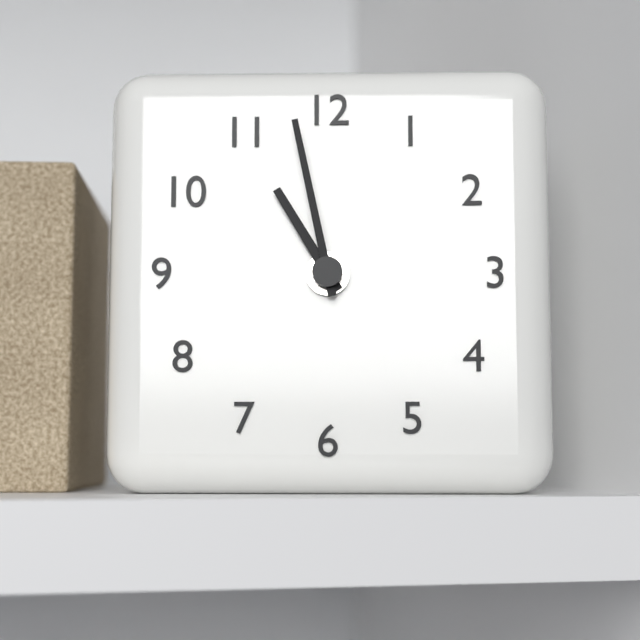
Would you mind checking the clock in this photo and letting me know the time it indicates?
10:58
